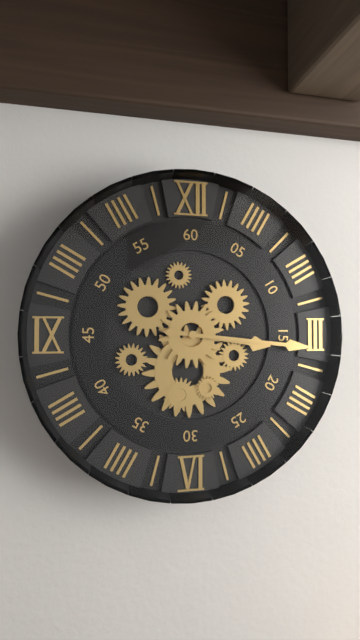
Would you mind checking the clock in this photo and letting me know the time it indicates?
3:16
